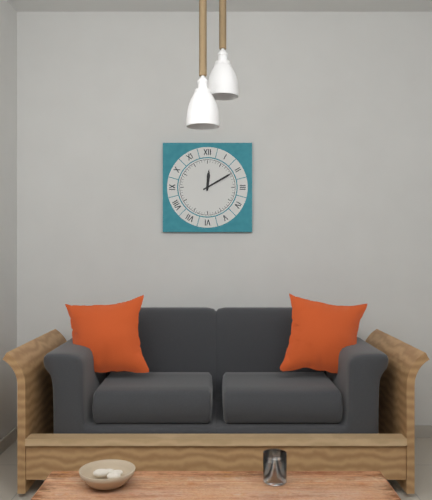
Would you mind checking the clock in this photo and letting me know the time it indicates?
12:10
